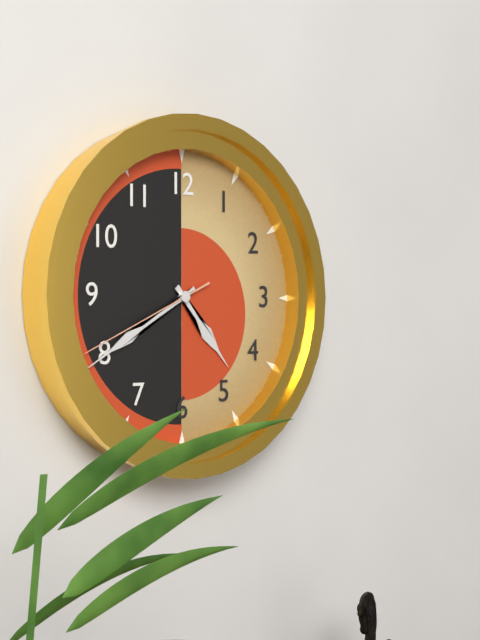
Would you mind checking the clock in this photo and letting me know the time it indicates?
4:40:41
